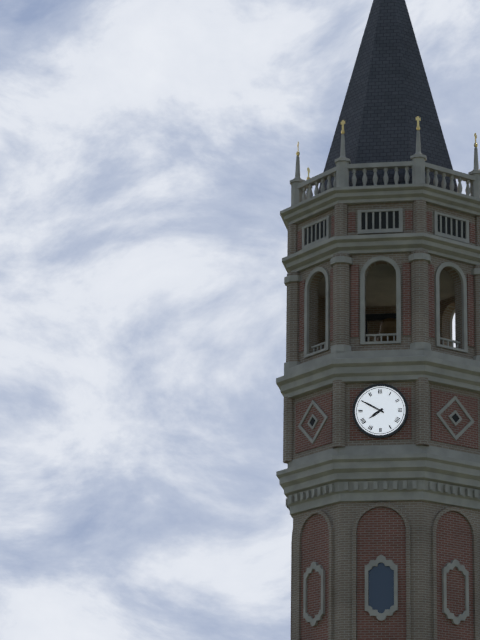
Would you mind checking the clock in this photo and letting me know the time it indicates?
7:50
